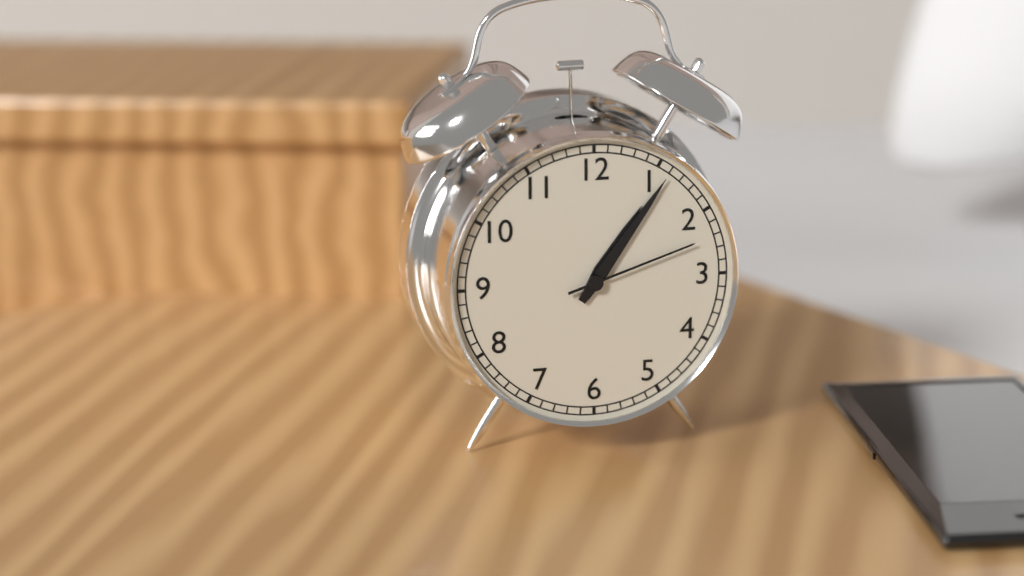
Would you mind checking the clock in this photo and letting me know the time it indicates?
1:06:12
